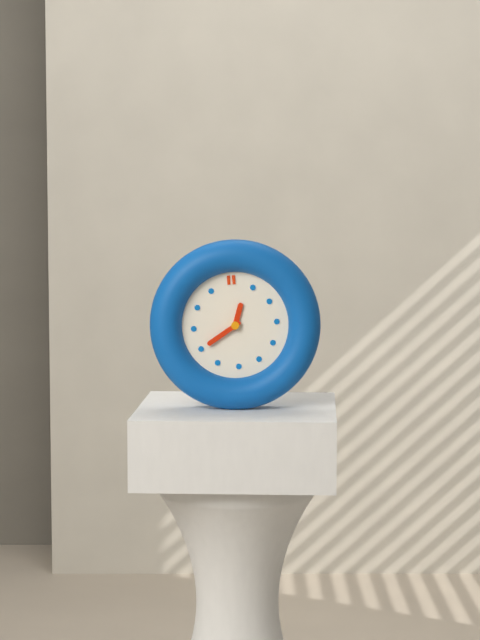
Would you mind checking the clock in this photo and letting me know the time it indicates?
12:40
